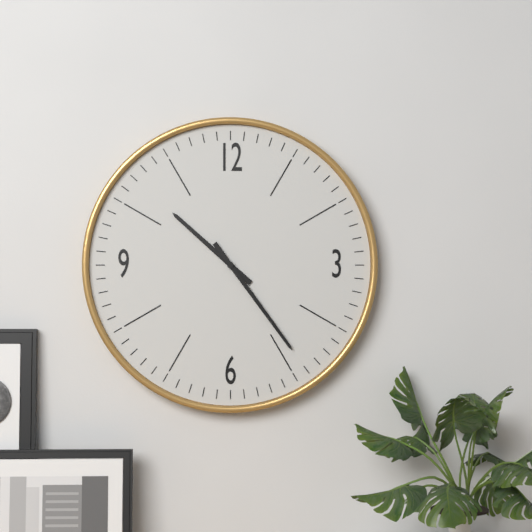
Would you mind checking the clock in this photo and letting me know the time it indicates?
10:24
